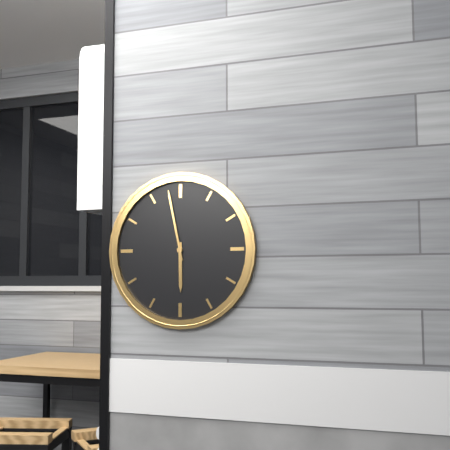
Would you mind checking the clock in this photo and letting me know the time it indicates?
5:58
